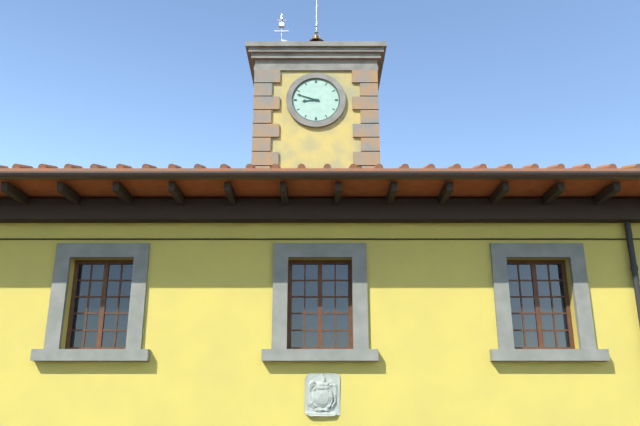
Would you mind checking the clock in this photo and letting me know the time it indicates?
8:48
